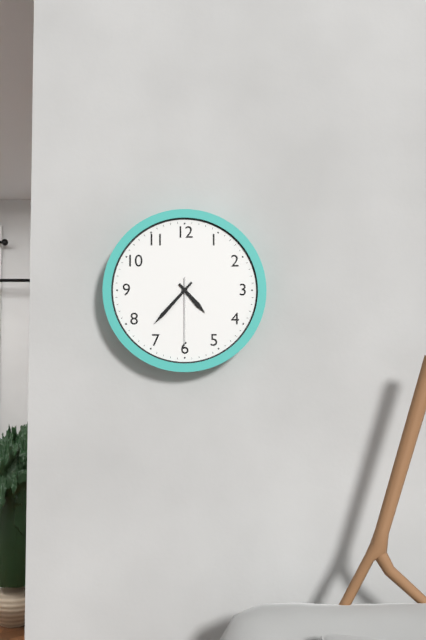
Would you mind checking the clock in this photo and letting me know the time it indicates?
4:37:30
